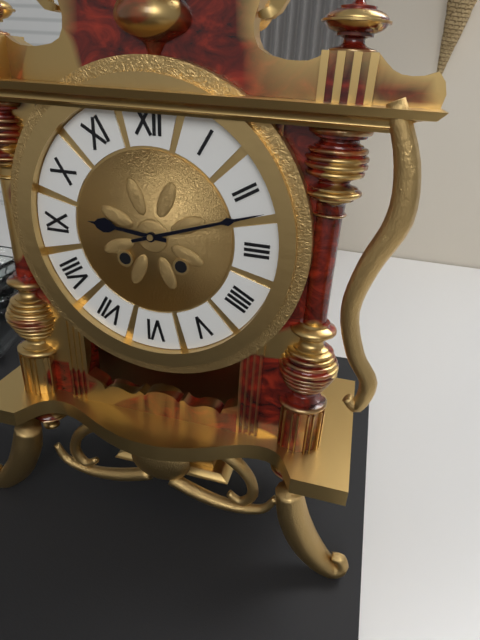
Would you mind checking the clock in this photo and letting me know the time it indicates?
9:12
